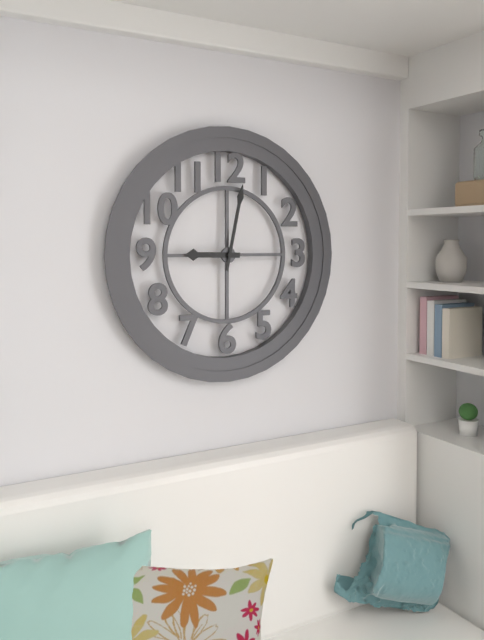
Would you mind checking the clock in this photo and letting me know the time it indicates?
9:02
